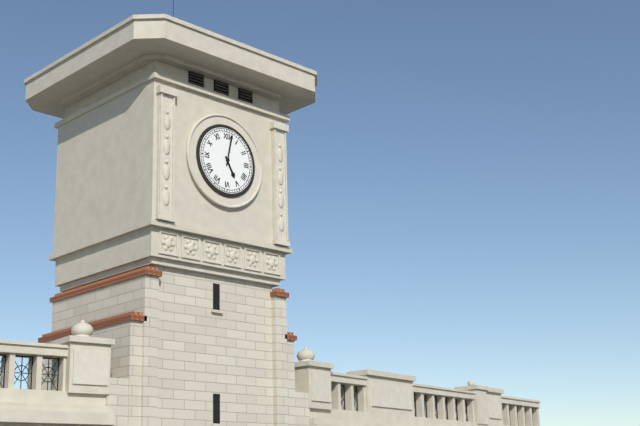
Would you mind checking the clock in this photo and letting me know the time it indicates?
5:02
